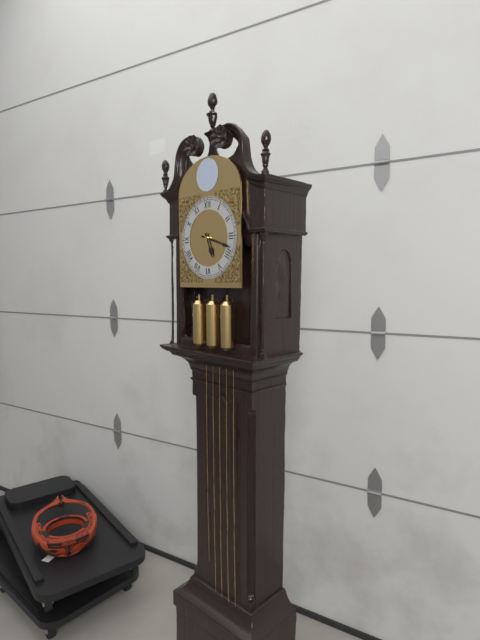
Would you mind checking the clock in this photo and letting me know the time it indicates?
5:18
